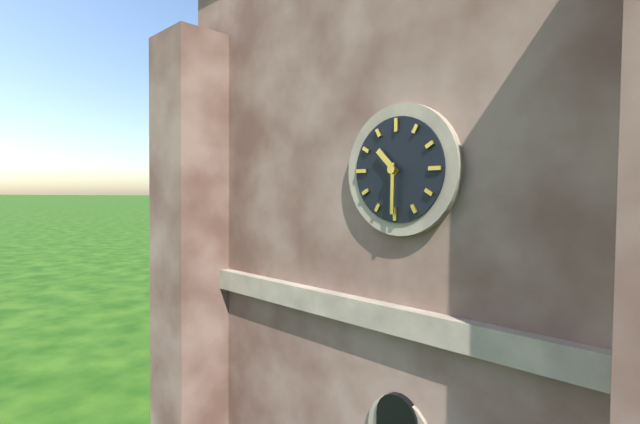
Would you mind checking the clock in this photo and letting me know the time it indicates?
10:30
